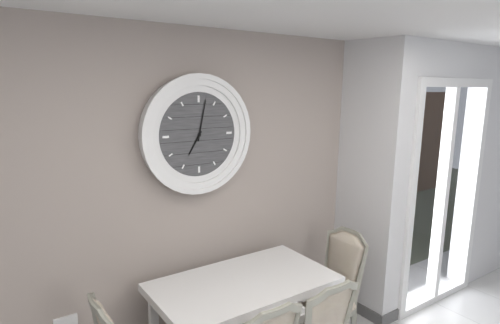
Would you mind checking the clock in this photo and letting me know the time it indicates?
7:02
